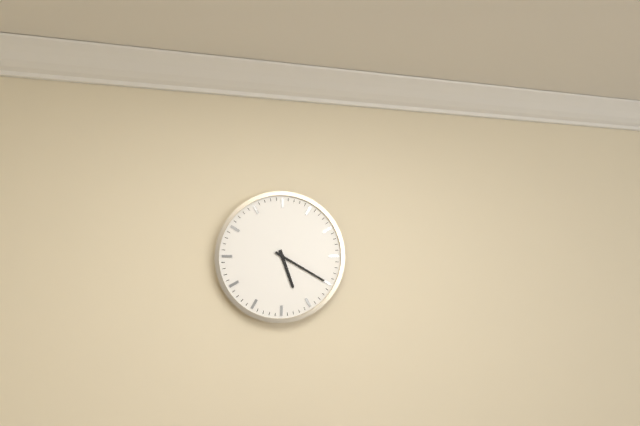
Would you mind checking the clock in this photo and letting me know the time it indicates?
5:20
